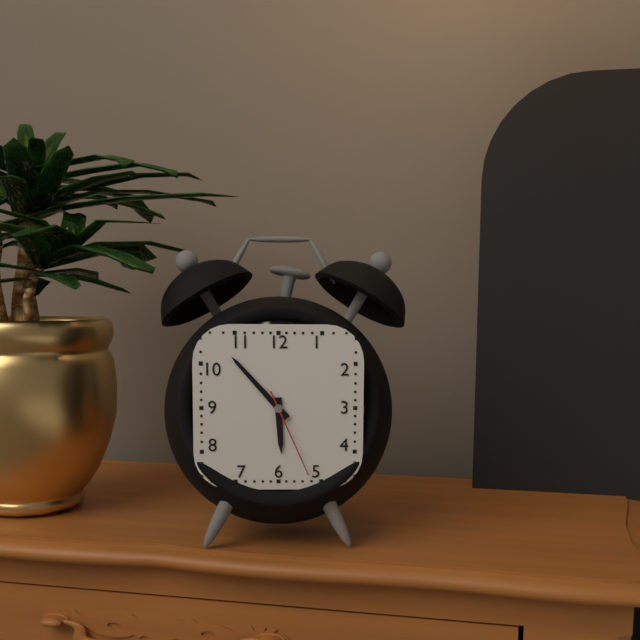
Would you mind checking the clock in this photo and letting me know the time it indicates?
5:53:26
